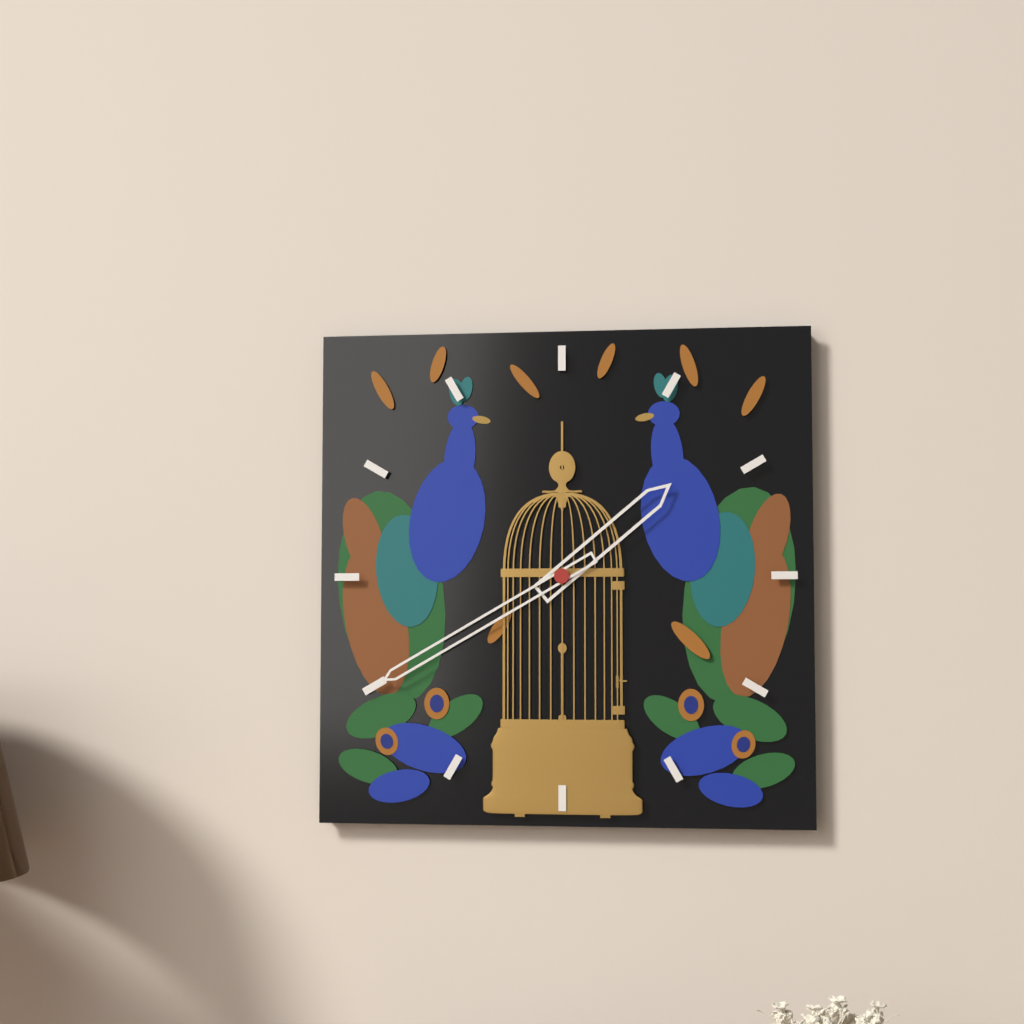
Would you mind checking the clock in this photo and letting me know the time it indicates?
1:40
